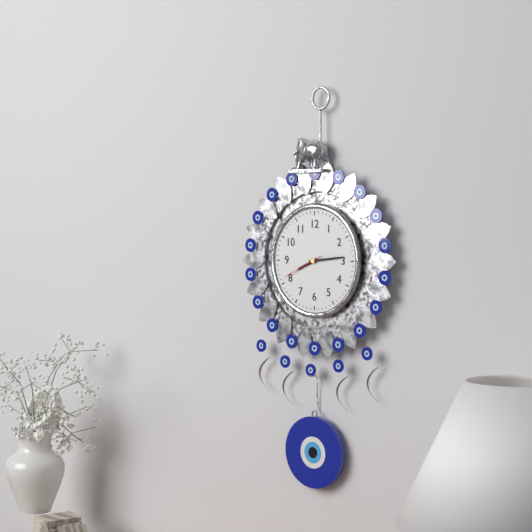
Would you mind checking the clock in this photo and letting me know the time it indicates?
8:14
